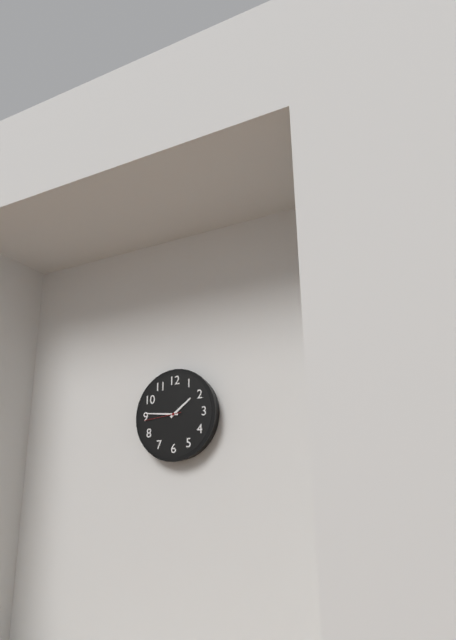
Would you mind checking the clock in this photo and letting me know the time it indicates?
1:46
